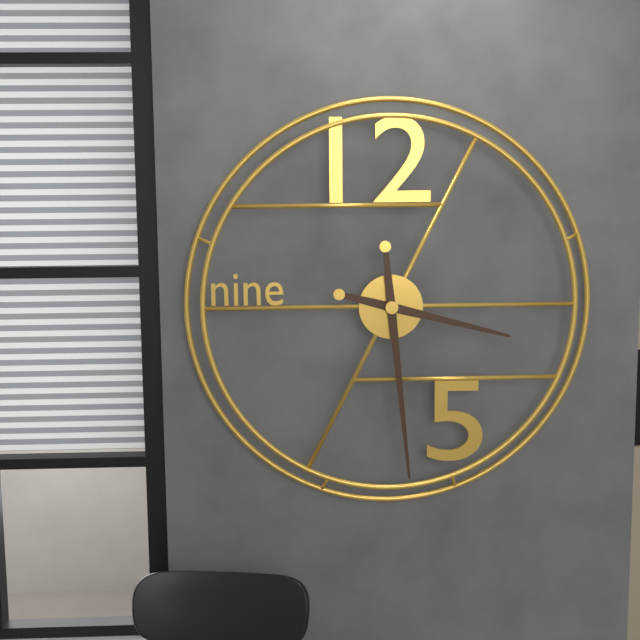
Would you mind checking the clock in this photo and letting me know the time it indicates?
3:29
